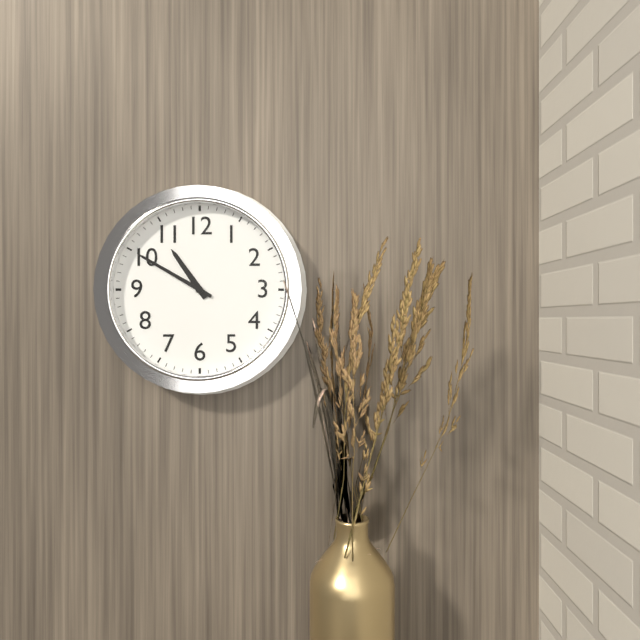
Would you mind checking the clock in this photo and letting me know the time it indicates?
10:50
